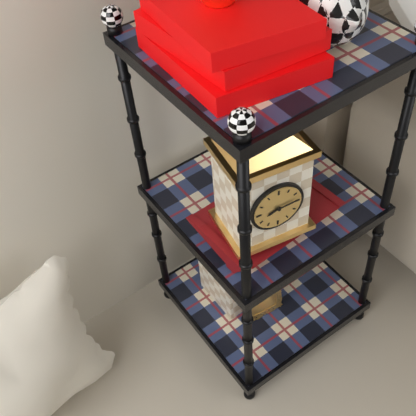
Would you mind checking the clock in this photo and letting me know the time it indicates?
8:14
